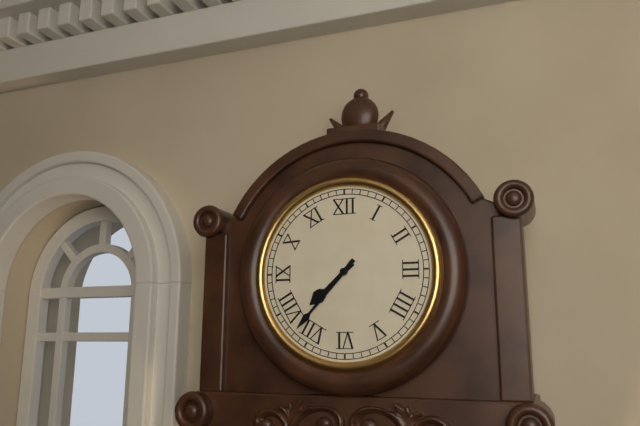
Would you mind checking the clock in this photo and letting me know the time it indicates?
7:37
